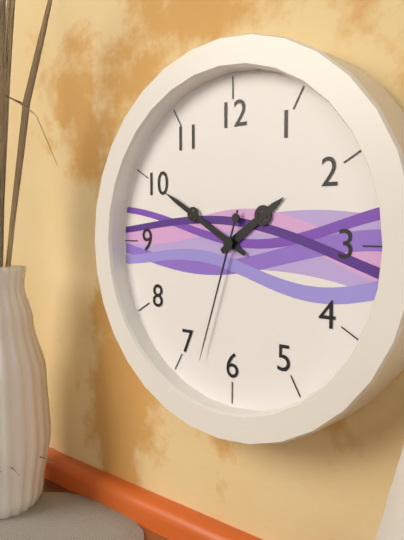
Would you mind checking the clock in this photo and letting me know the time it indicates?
1:50:33
